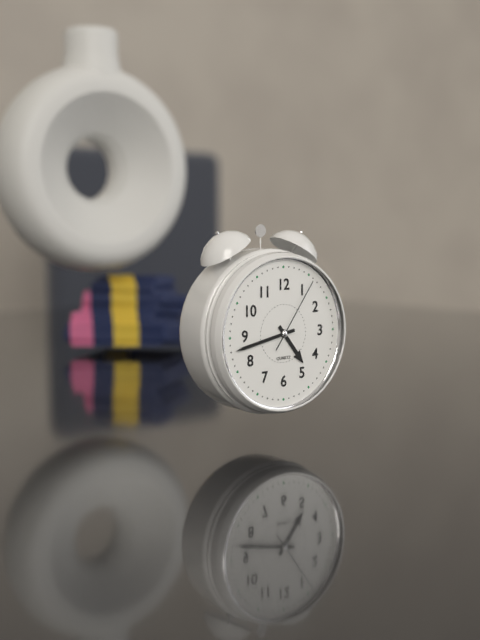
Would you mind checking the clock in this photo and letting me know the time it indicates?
4:43:06
